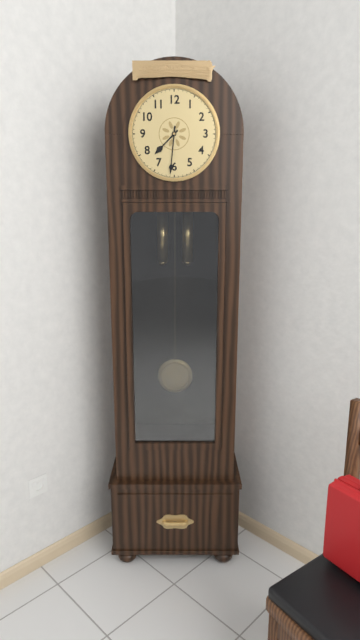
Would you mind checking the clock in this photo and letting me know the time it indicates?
7:31
